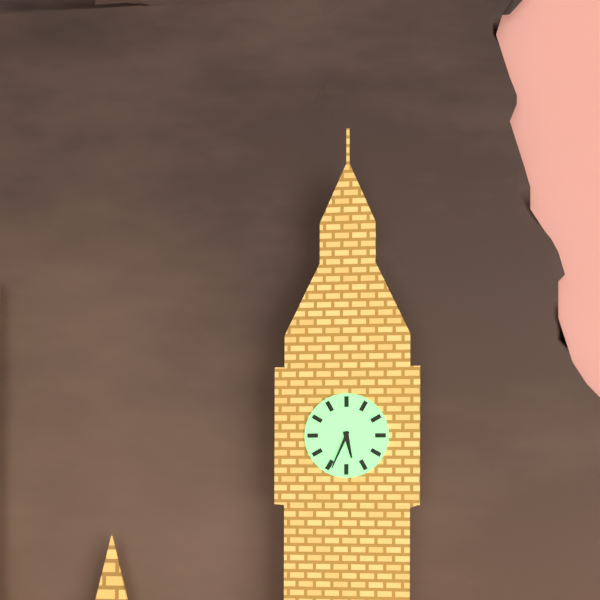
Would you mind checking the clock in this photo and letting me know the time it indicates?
5:34
